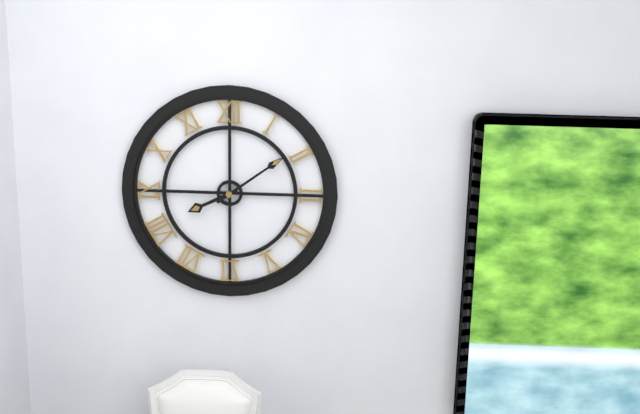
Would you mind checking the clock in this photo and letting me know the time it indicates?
8:09
